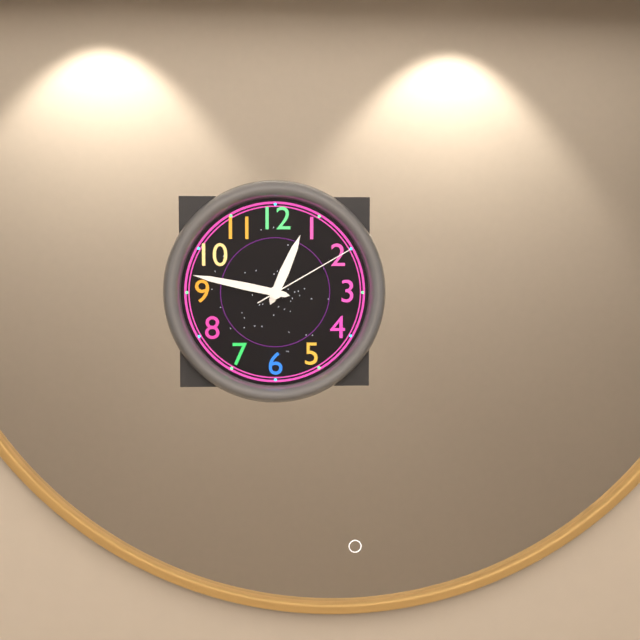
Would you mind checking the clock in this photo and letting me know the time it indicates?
12:47:10
